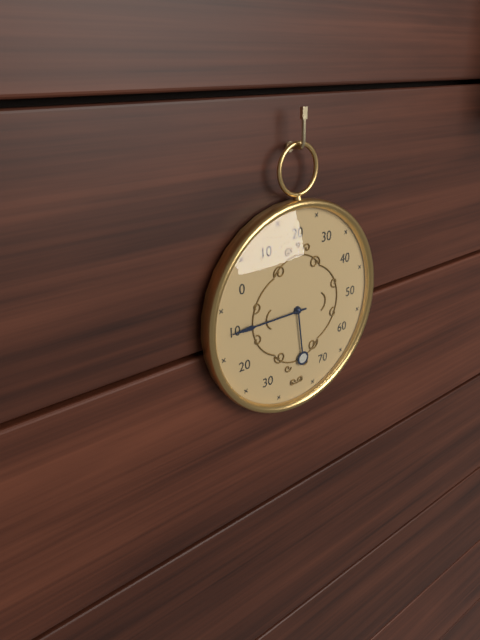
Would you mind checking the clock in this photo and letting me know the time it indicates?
5:45
